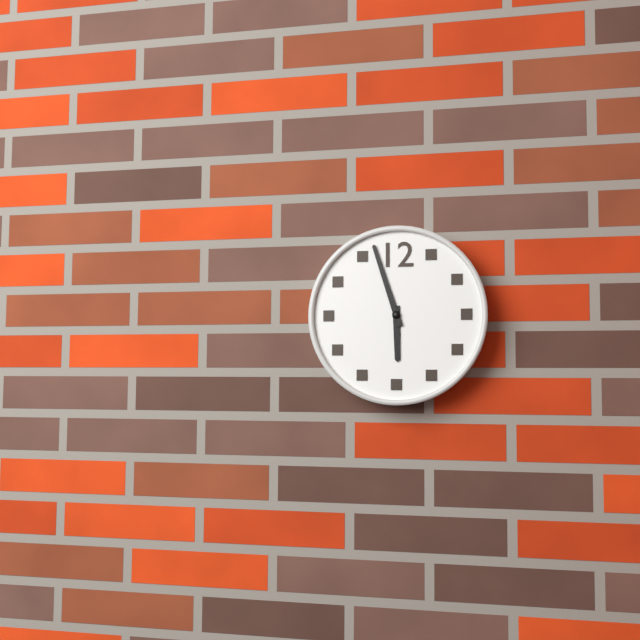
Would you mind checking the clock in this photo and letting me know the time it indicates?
5:57
